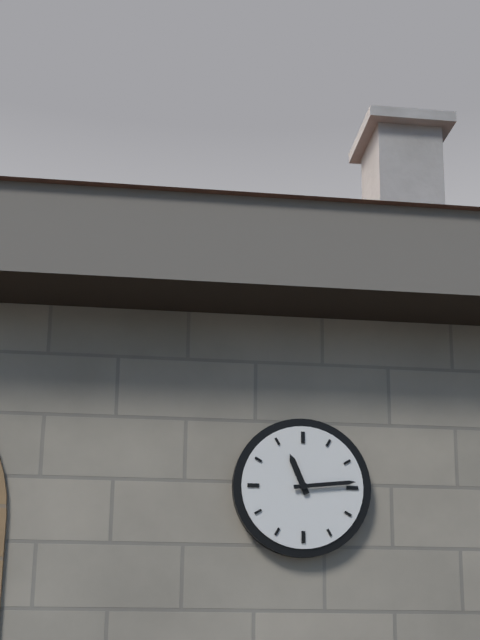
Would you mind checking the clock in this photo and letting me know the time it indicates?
11:14
